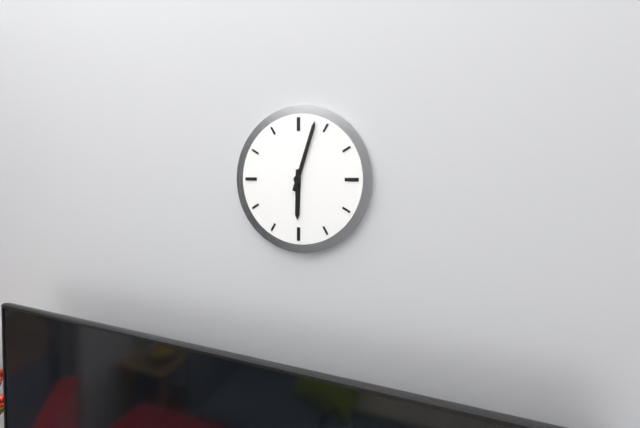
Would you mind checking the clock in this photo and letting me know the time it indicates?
6:03
